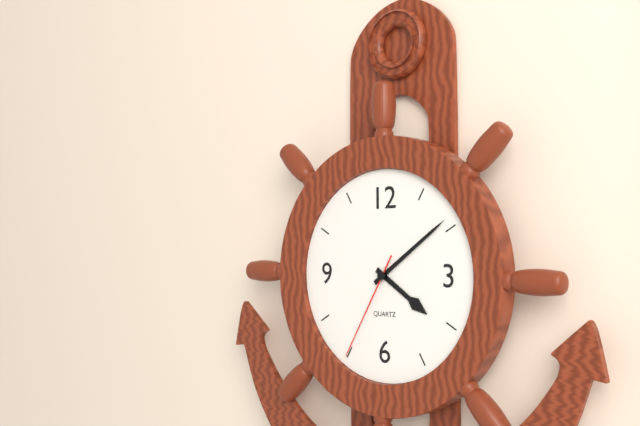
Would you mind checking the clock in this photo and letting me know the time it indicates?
4:09:35
